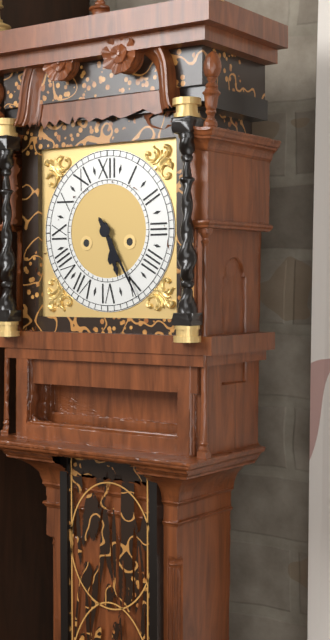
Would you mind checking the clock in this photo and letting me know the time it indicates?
5:25
